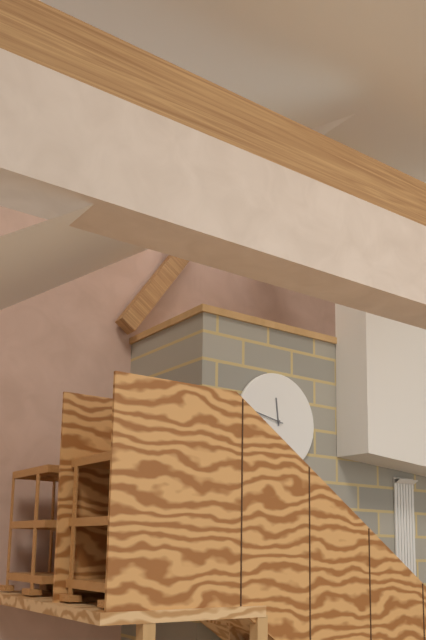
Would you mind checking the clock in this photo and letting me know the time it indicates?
11:47
